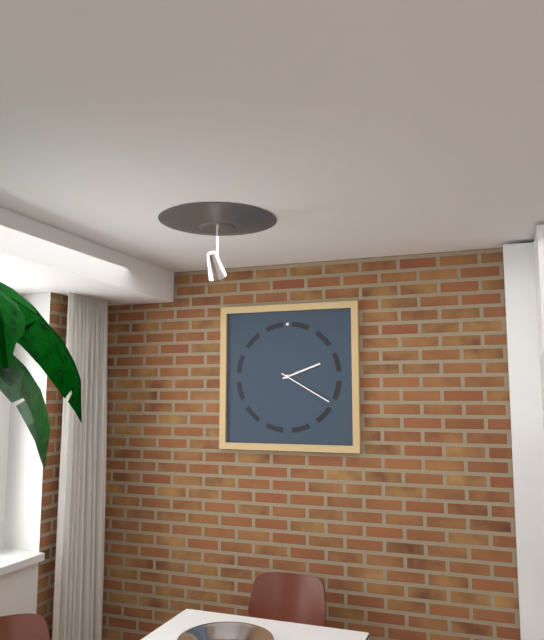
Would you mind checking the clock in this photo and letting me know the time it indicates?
2:20
